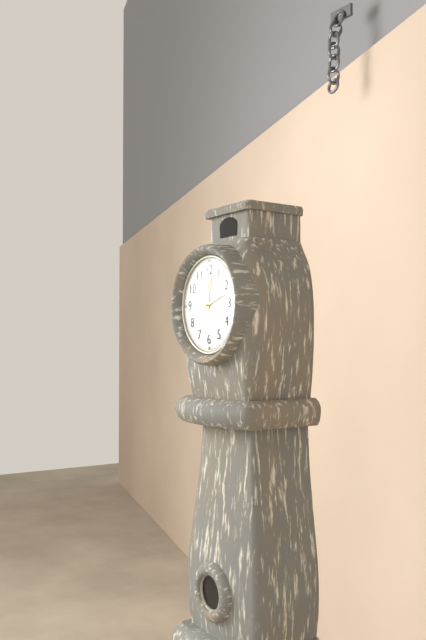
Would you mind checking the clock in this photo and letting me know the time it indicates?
12:12
